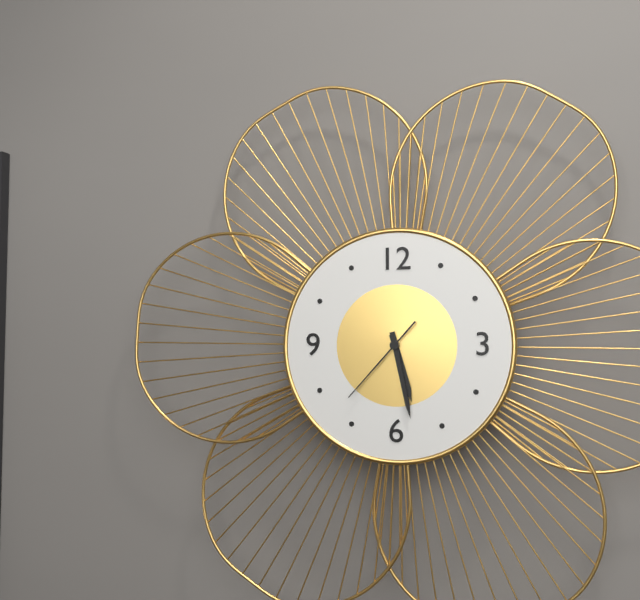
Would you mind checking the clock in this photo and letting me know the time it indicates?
5:28:37
